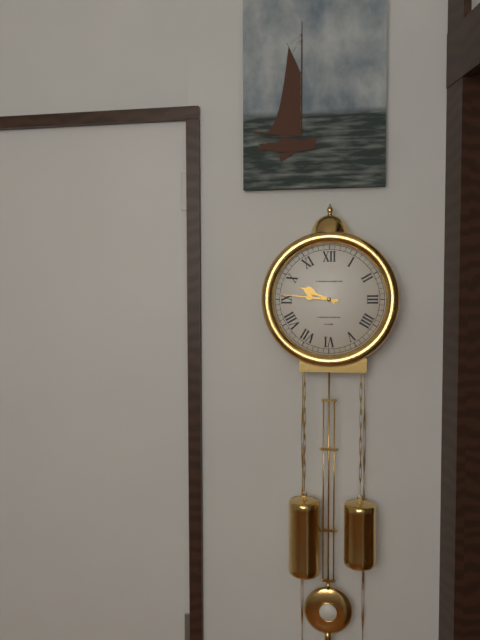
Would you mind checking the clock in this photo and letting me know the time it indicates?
9:46
